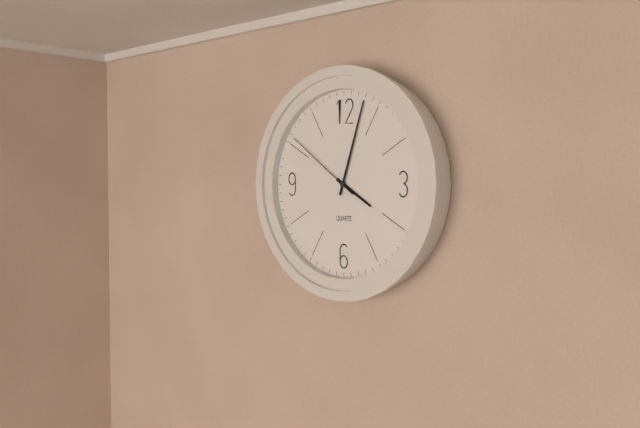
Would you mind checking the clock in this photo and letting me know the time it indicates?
4:03:51
